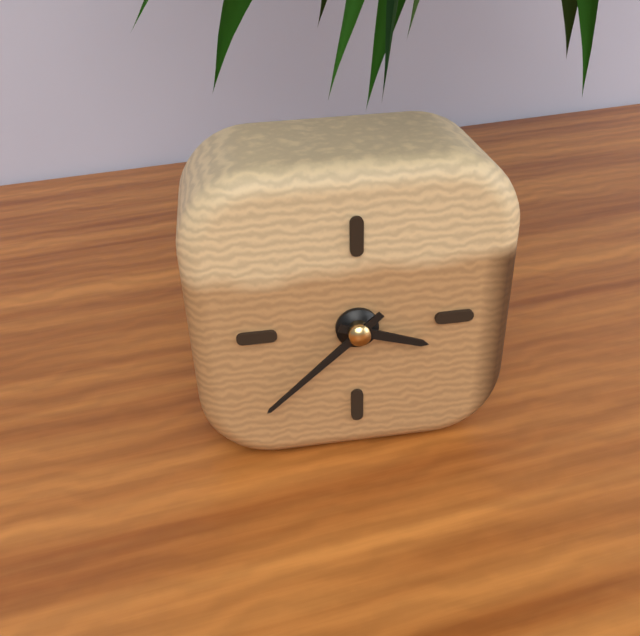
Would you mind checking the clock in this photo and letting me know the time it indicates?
3:38
